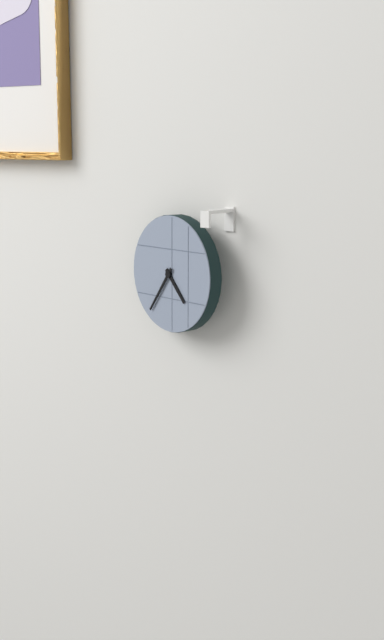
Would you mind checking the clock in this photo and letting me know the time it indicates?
4:36
